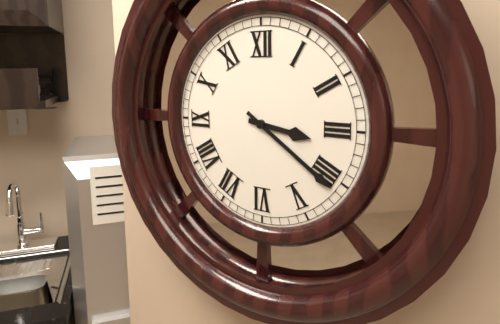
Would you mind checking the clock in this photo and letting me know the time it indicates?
3:21
